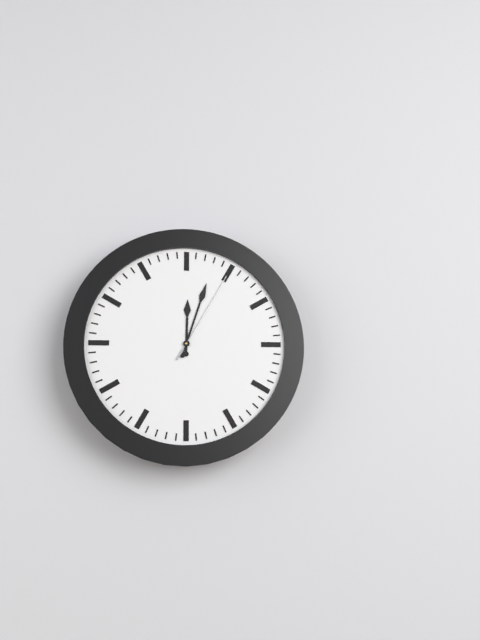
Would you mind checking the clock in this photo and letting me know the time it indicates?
12:03:05
